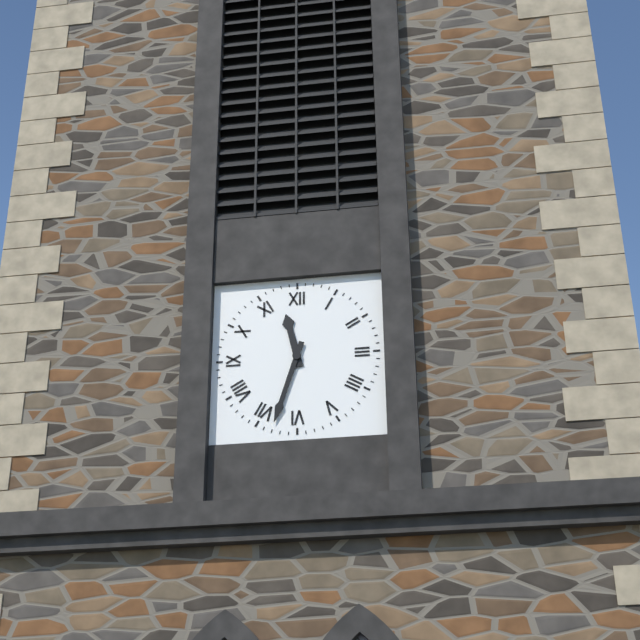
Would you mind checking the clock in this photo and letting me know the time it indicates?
11:33
